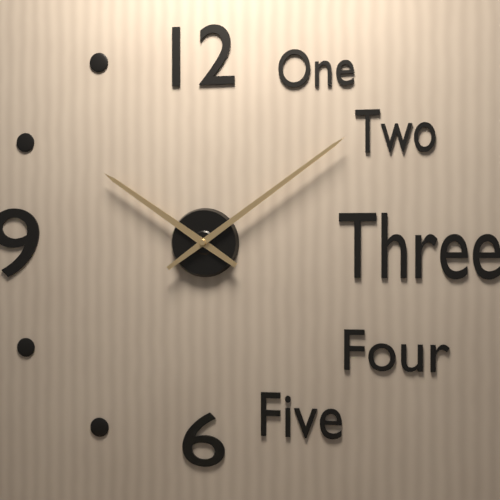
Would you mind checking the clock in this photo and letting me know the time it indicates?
10:09
